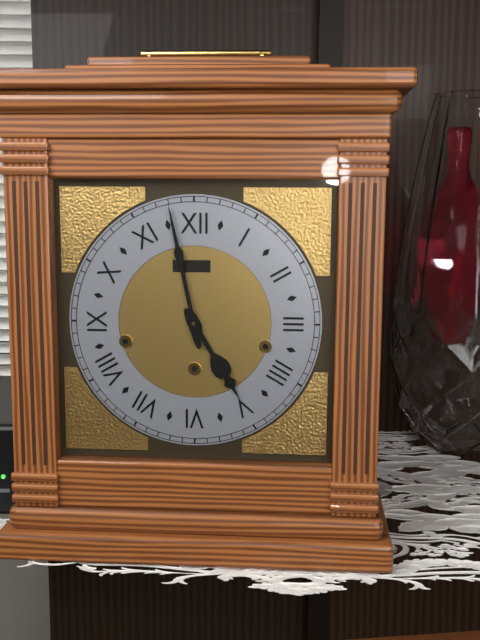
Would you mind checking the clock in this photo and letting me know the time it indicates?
4:58
